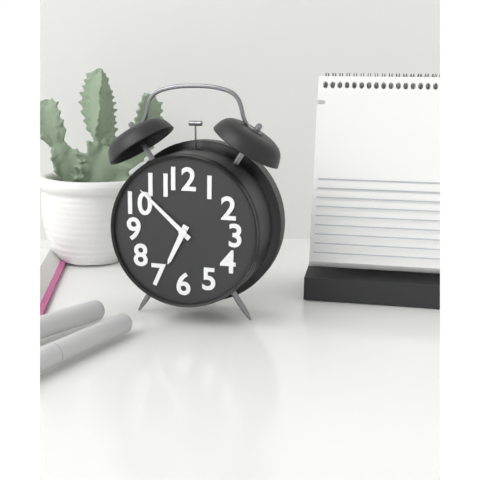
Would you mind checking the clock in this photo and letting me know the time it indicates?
6:52
